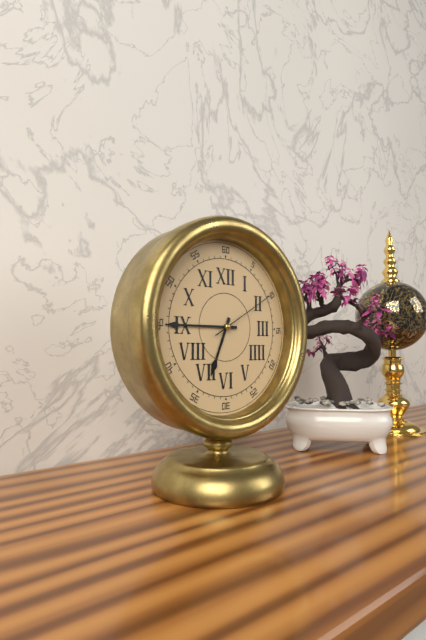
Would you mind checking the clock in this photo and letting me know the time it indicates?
6:45:10
